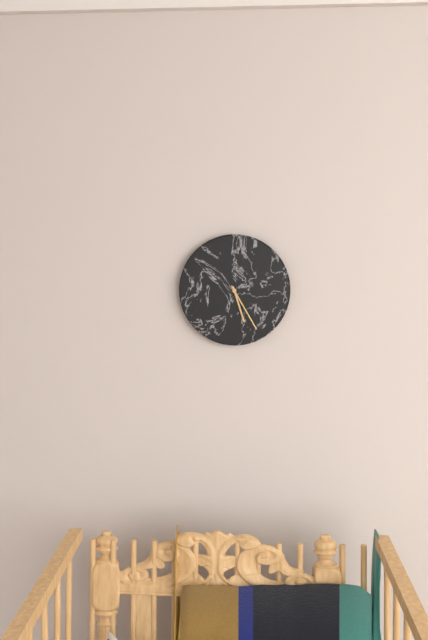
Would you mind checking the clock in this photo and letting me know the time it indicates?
5:25
